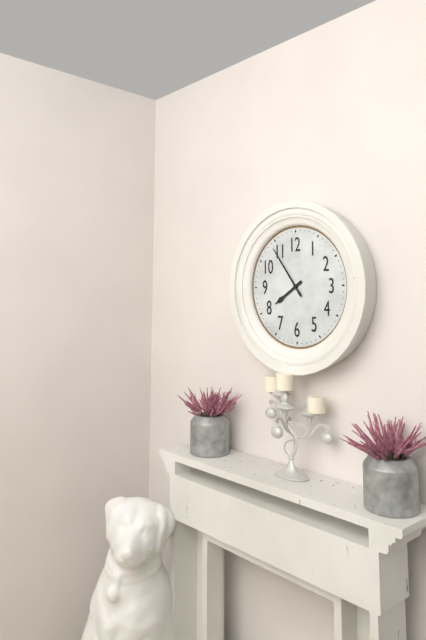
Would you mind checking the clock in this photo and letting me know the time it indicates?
7:54
